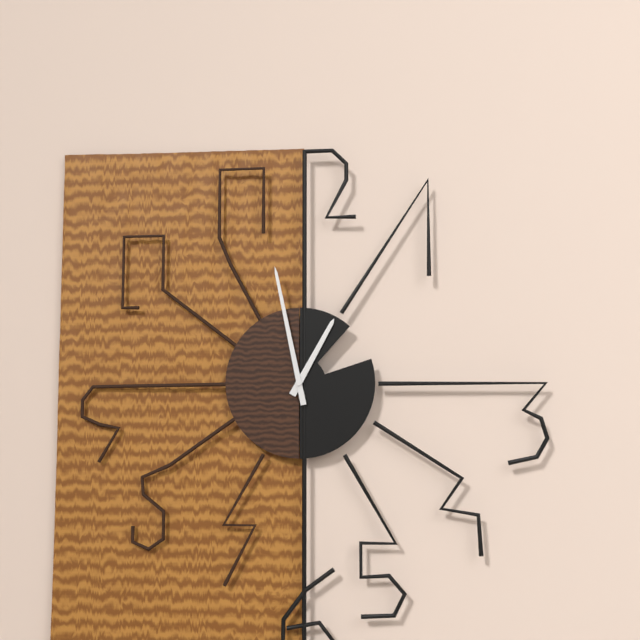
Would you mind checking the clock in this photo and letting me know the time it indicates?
12:58
